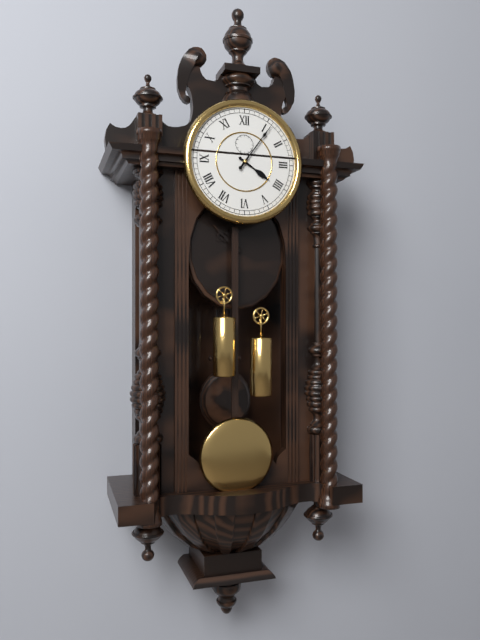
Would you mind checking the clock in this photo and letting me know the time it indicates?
4:06
